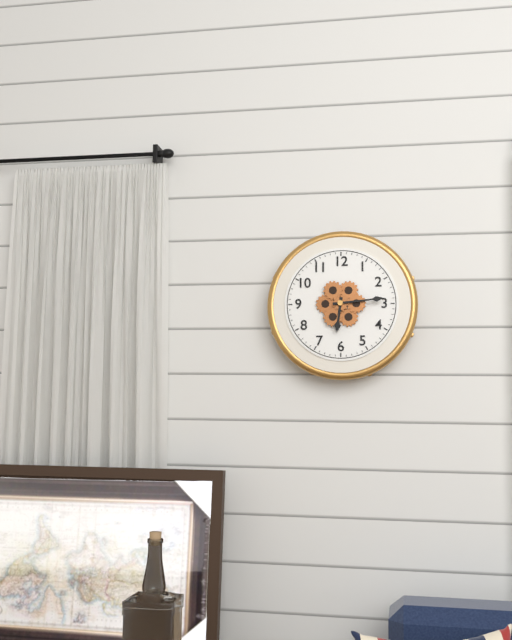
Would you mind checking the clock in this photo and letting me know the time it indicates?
6:14
